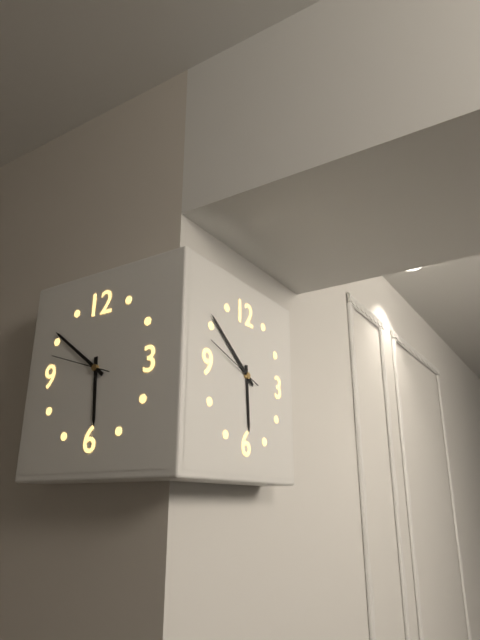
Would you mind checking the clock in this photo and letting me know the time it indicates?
5:51:48
